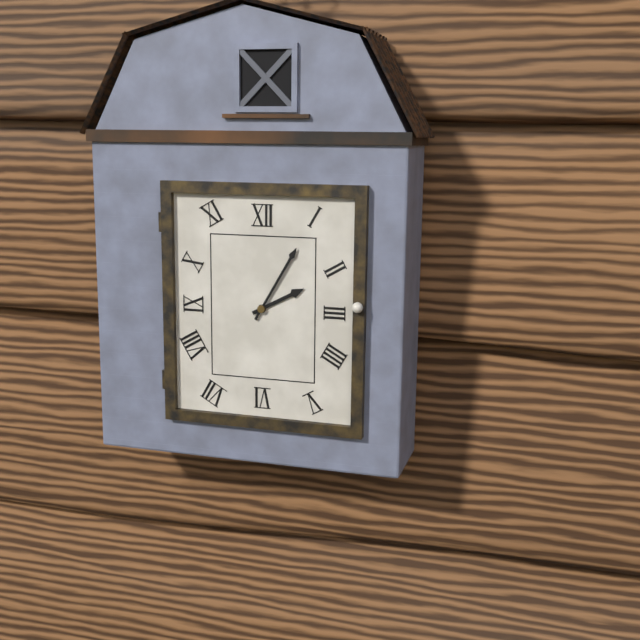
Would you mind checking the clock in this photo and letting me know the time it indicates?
2:05
